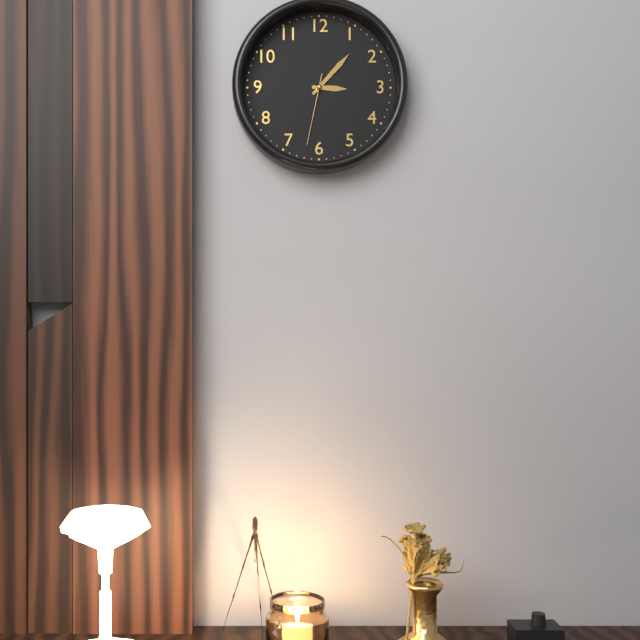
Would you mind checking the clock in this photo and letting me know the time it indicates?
3:07:32
